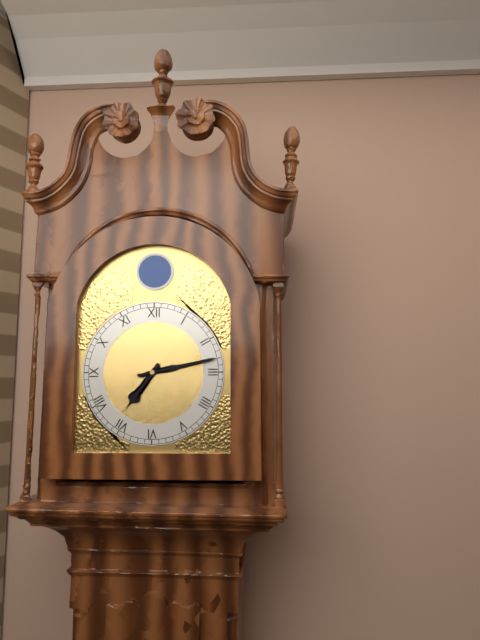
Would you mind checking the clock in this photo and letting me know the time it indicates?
7:13
